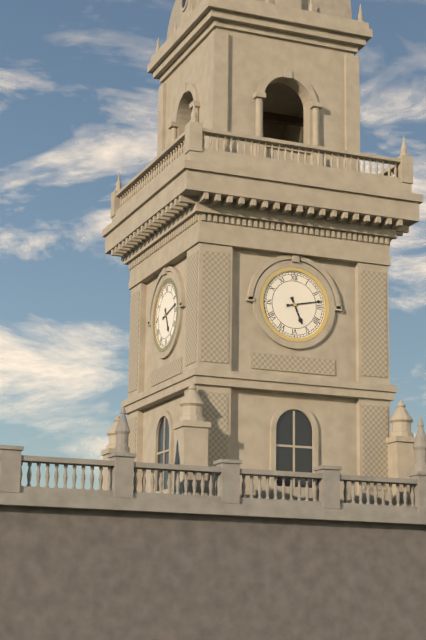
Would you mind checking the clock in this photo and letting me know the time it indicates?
5:13
